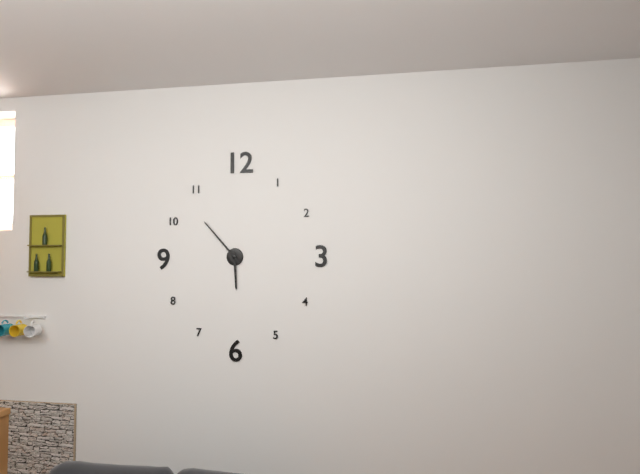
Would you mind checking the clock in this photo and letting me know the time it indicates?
5:53
